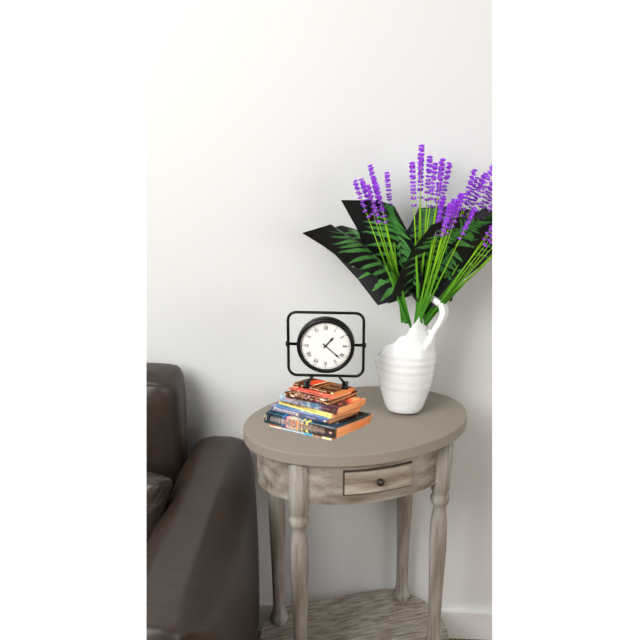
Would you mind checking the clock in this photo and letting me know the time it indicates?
1:22
